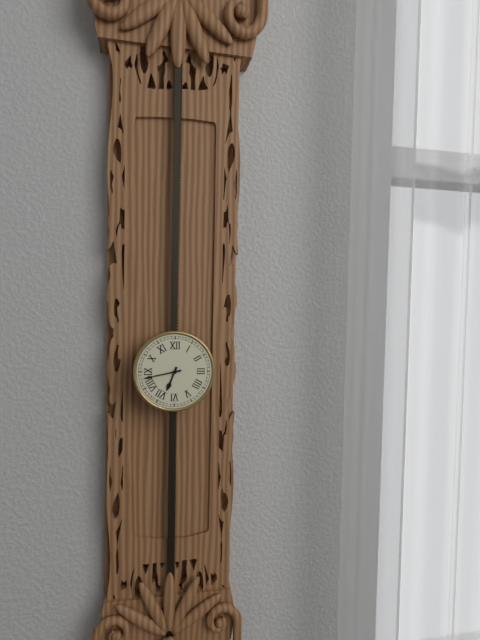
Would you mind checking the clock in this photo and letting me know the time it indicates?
6:43
